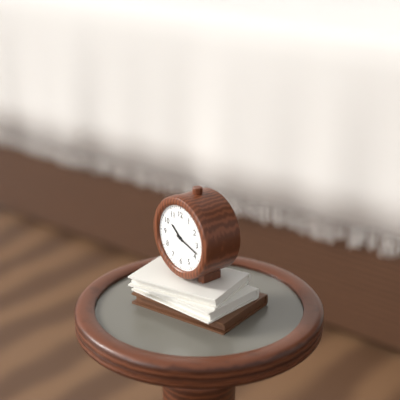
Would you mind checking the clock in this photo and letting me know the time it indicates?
10:18
